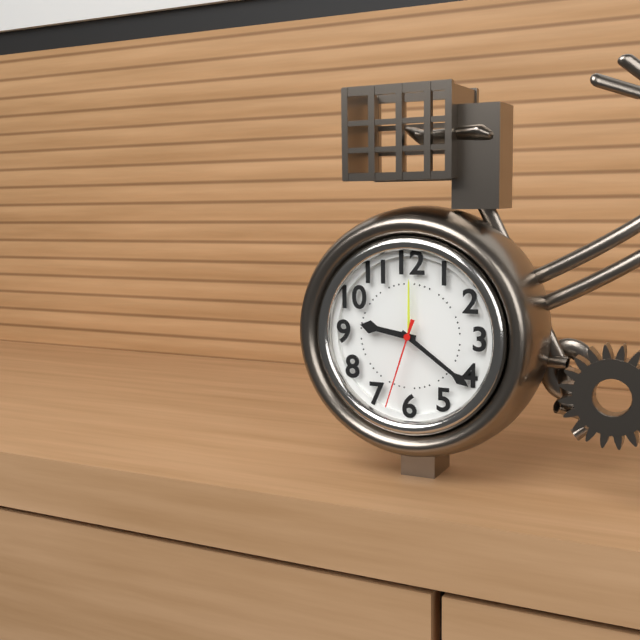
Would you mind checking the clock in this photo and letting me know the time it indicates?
9:21:33
